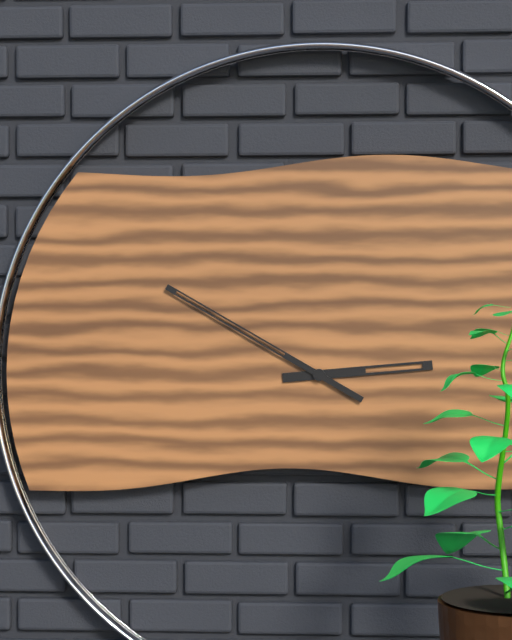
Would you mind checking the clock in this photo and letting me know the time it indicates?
2:50
